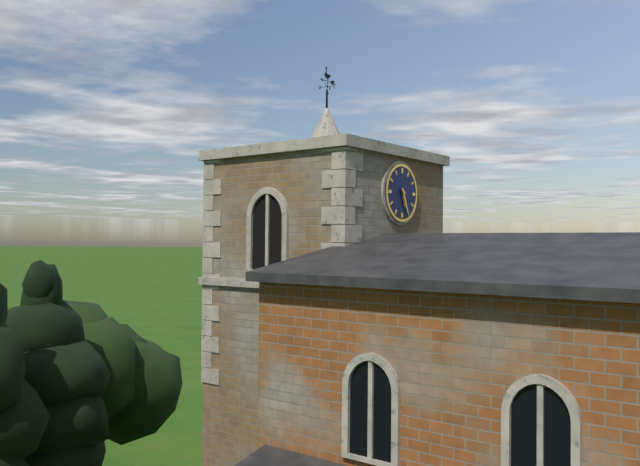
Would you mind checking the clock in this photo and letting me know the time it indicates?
5:26
